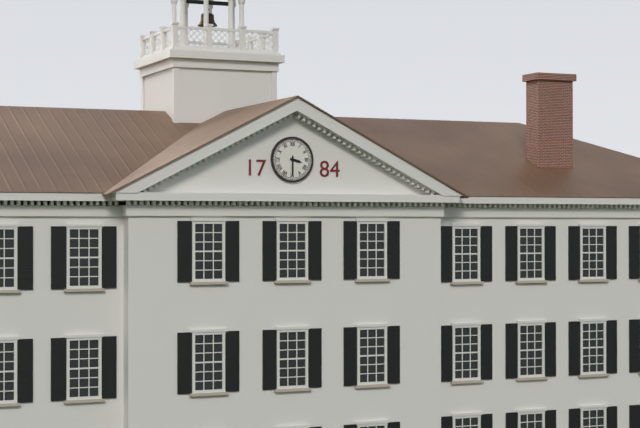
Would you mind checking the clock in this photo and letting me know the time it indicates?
3:30
